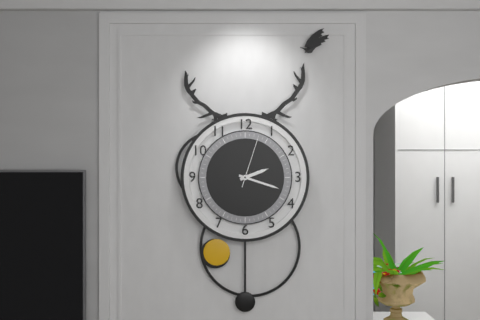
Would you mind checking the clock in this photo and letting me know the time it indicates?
2:18:03
